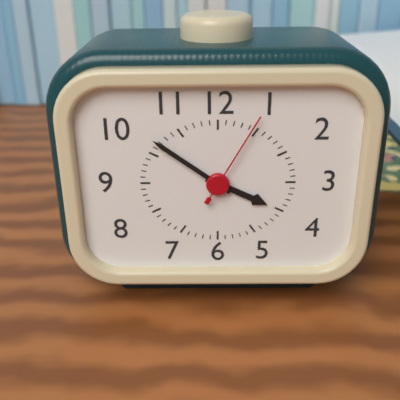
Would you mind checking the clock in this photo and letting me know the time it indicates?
3:51:05
